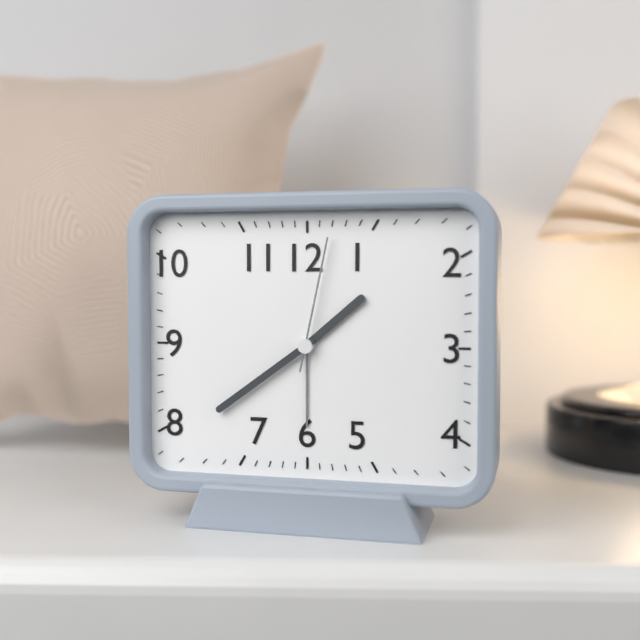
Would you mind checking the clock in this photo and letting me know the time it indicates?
1:39:02
